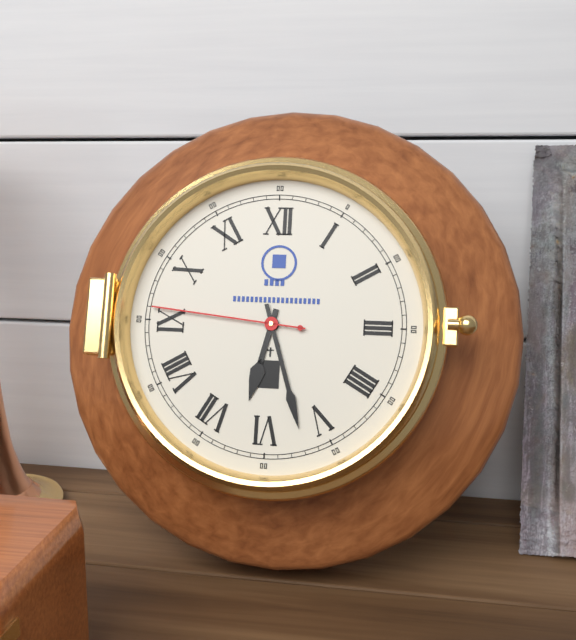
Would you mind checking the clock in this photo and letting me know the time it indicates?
6:27:46
